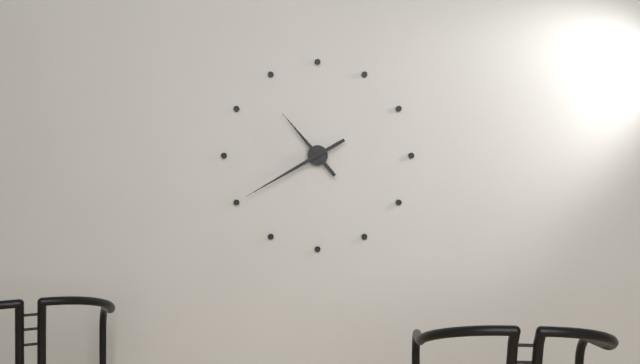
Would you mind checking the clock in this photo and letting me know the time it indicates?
10:40
